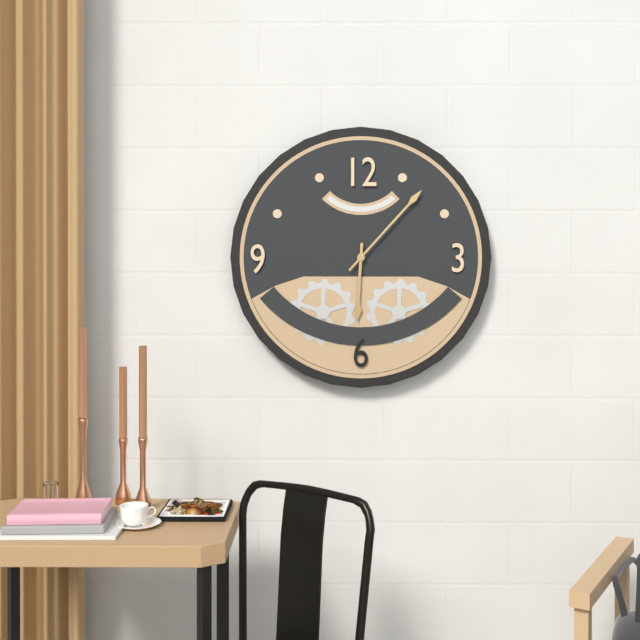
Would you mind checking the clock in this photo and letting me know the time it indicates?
6:07
